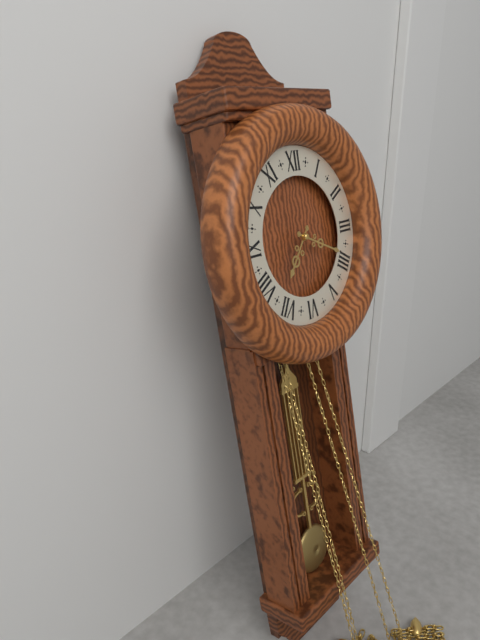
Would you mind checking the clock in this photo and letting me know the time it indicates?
7:19
